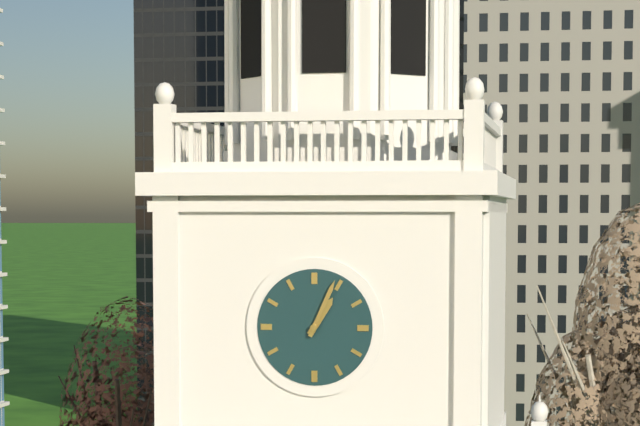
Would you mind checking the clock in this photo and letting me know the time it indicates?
1:04
